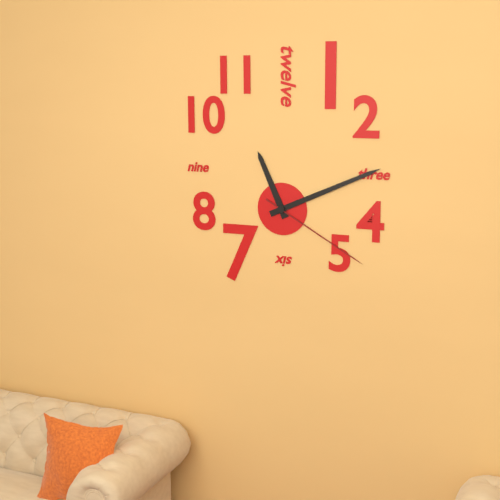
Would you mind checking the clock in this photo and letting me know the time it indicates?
11:11:20
